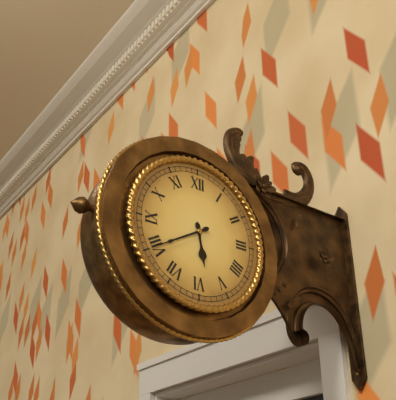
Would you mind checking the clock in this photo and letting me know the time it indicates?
5:40
